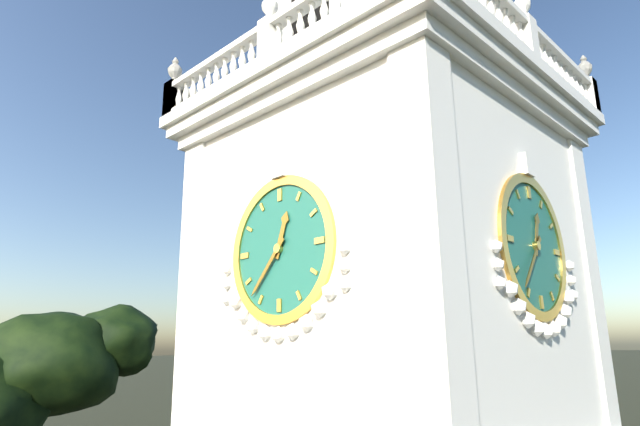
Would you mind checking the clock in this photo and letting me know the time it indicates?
12:37
